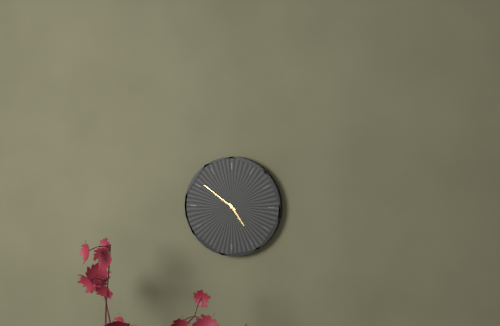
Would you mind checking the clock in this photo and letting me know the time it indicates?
4:51
